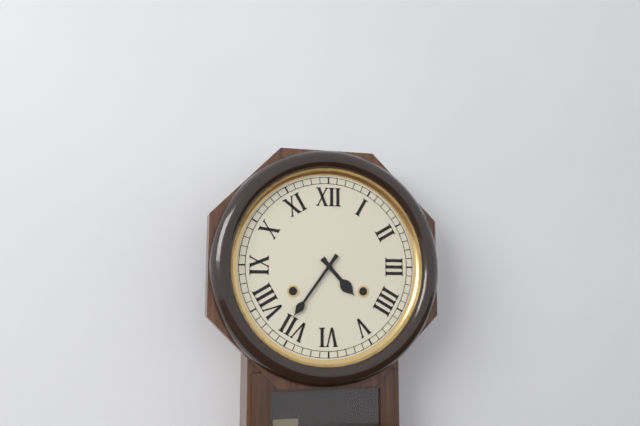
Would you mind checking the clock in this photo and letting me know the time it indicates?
4:36
